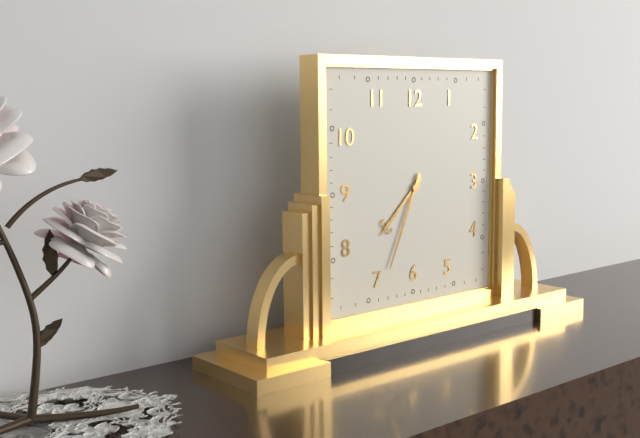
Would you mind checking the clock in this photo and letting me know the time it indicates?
7:34
